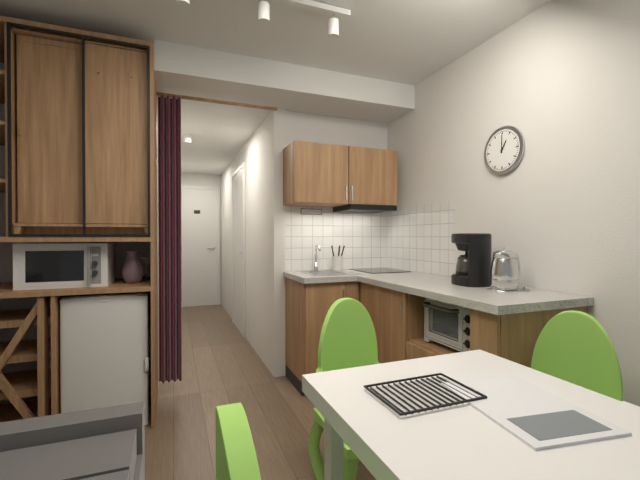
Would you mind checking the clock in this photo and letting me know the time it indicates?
1:00
